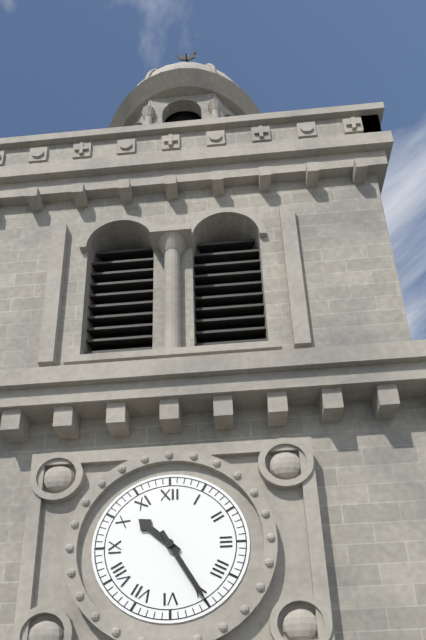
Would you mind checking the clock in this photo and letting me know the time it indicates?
10:25
